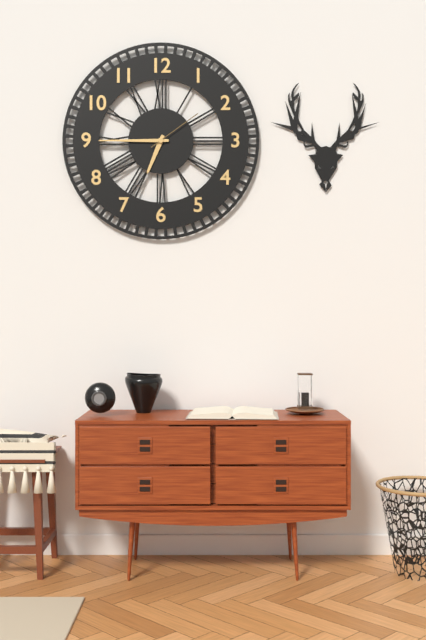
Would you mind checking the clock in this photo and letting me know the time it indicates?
6:45:09
